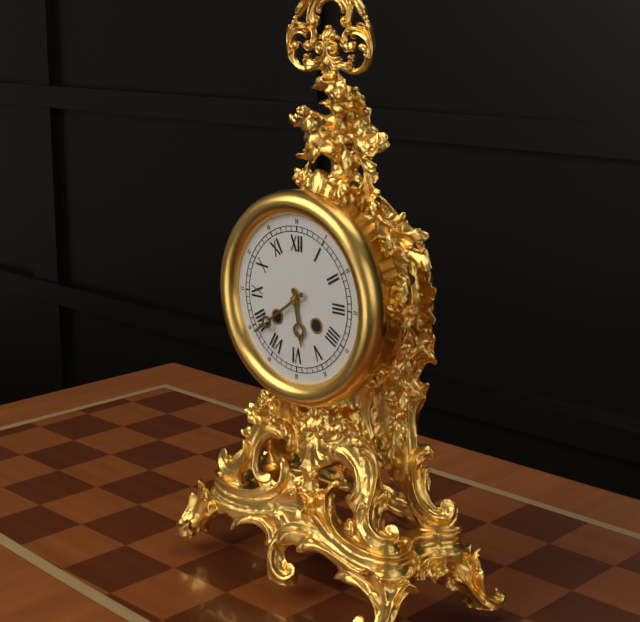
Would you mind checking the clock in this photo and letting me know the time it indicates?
5:39
